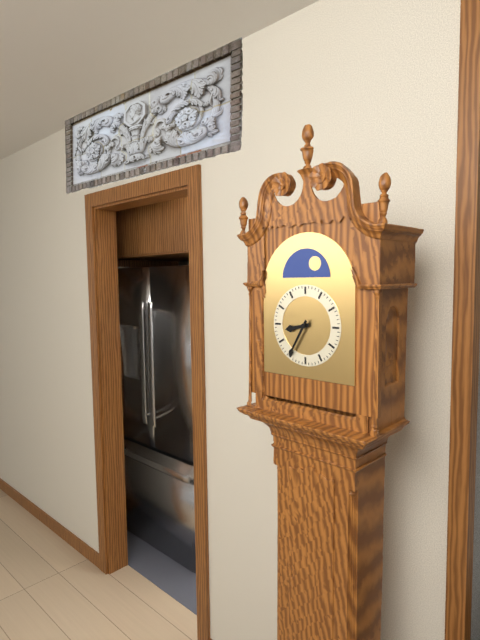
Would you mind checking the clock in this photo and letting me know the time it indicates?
8:35
